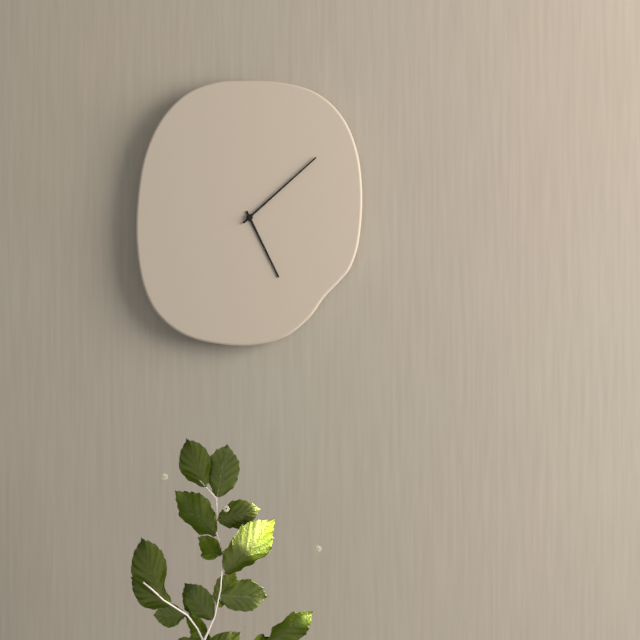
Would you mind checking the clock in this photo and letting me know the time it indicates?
5:08
